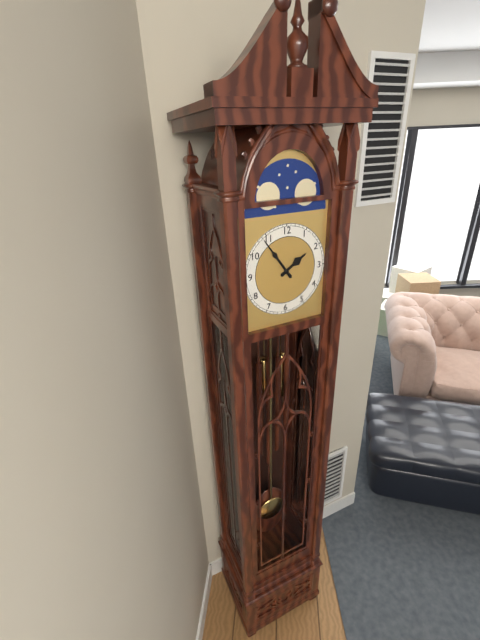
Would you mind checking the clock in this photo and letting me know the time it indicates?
1:54
